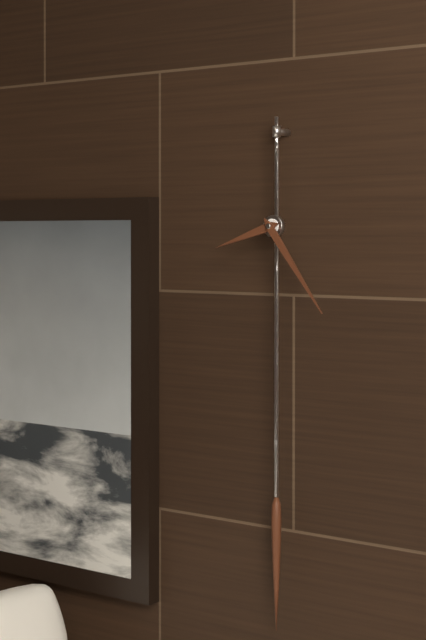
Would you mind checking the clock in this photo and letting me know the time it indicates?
8:24
